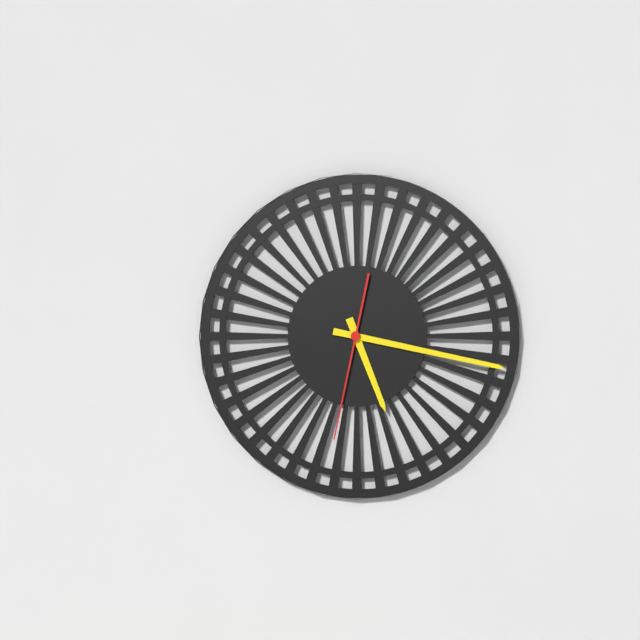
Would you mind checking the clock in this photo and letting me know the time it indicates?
5:17:32
